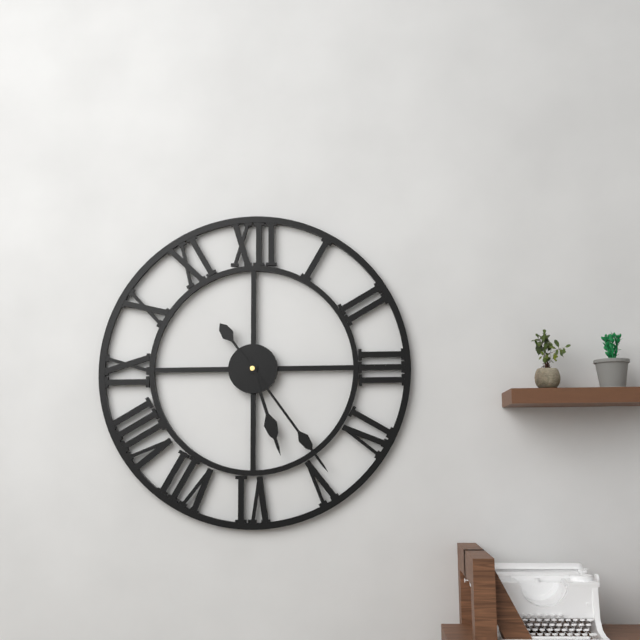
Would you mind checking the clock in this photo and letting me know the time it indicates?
5:24
